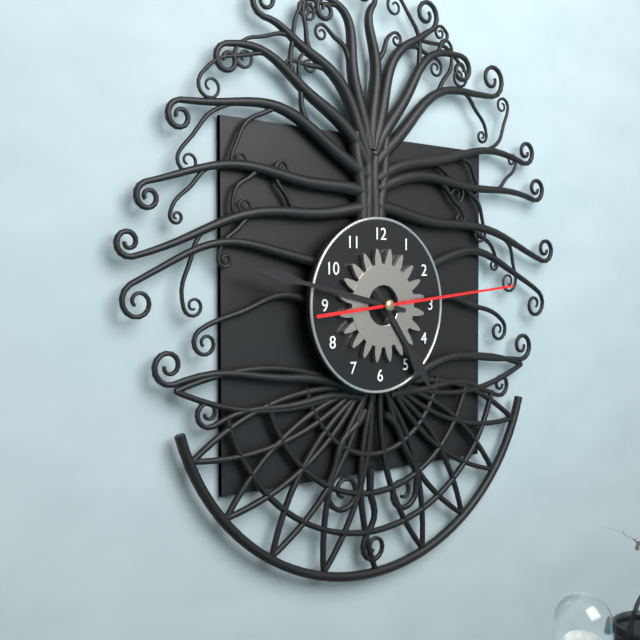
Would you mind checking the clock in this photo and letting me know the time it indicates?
4:47:14
